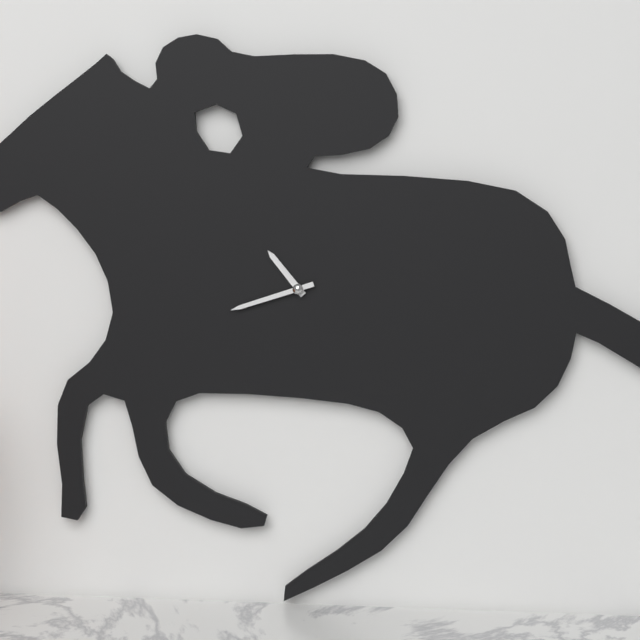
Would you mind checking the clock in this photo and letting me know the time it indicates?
10:42
